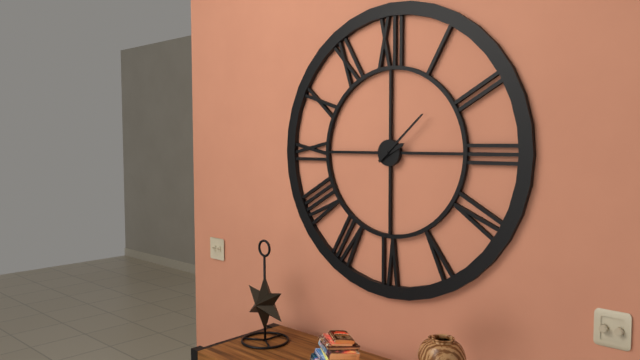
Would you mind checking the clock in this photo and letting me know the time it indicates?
2:08
